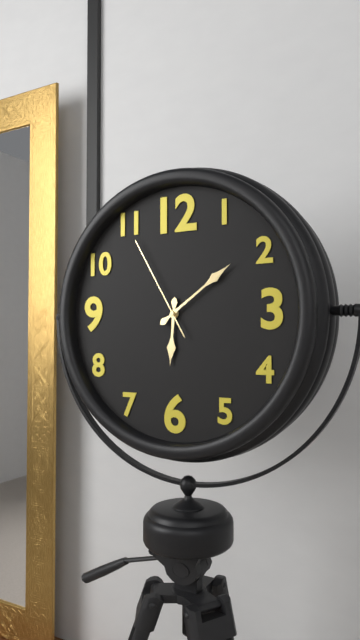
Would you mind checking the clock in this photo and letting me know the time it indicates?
6:09:55
